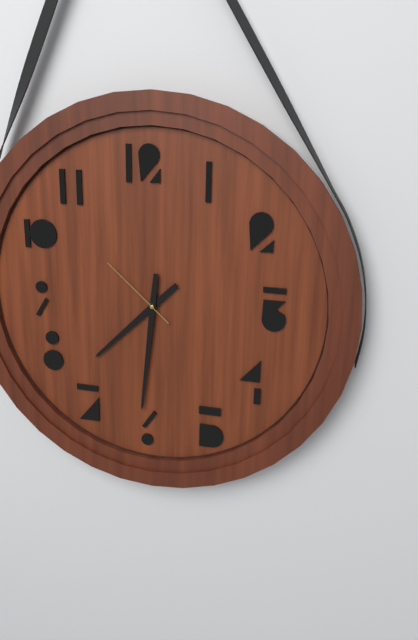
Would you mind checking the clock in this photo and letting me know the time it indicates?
7:31:52
